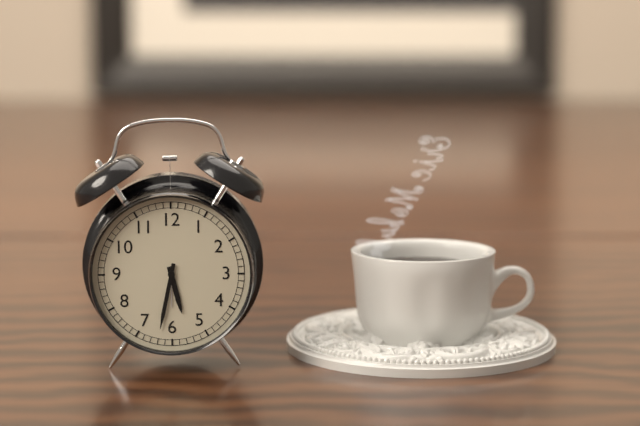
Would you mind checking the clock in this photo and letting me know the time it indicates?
5:32
